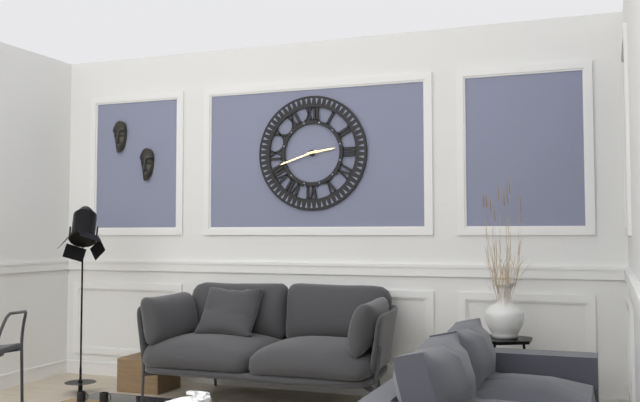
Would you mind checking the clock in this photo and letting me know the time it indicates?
2:42
